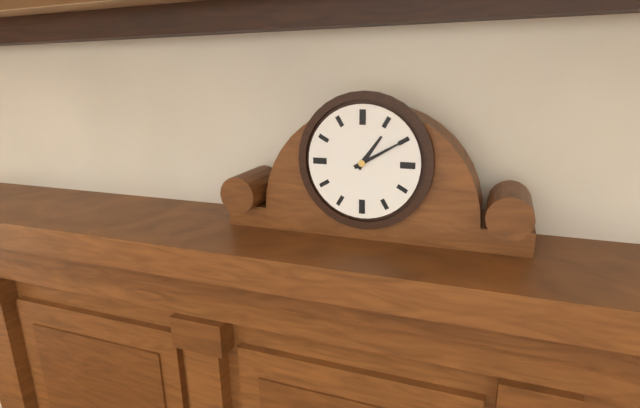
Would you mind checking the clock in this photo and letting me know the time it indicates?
1:10
